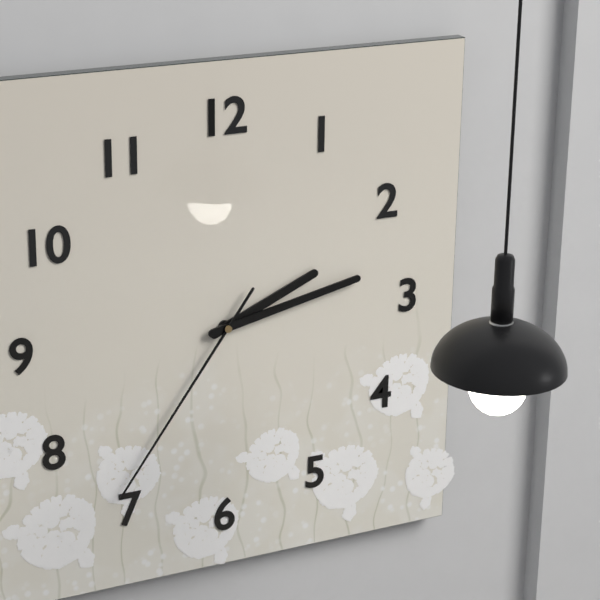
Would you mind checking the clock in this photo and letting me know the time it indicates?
2:13:36
